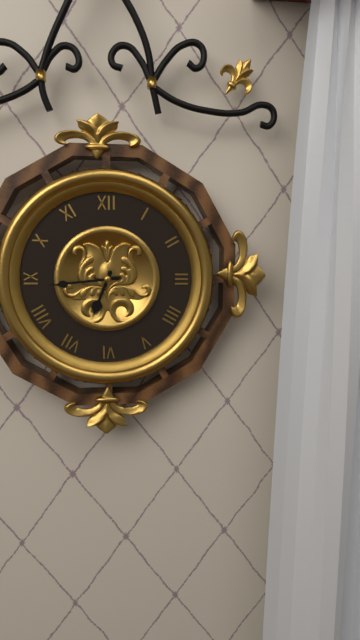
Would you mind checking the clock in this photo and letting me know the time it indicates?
6:44
